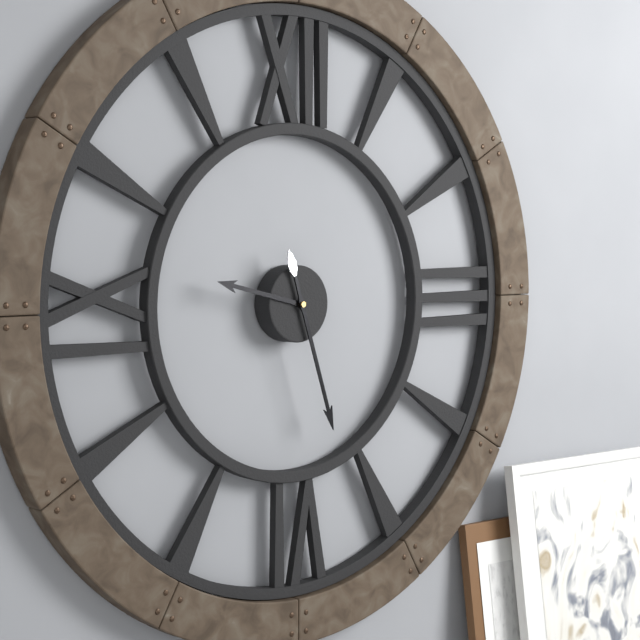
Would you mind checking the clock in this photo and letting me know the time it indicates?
9:27
